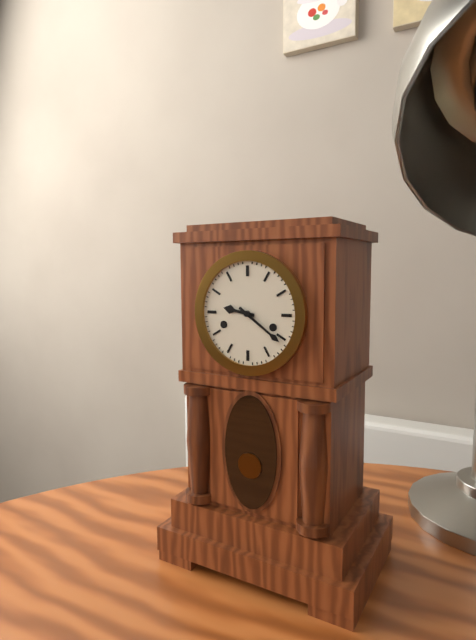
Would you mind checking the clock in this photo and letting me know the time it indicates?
9:21
